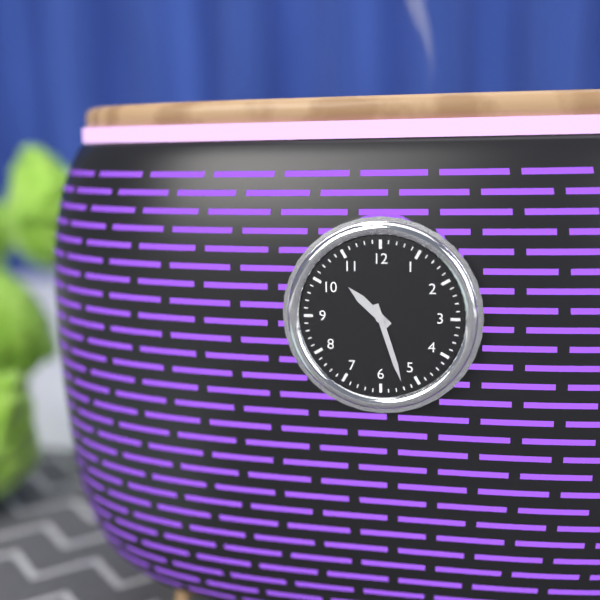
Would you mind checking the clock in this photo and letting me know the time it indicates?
10:27
